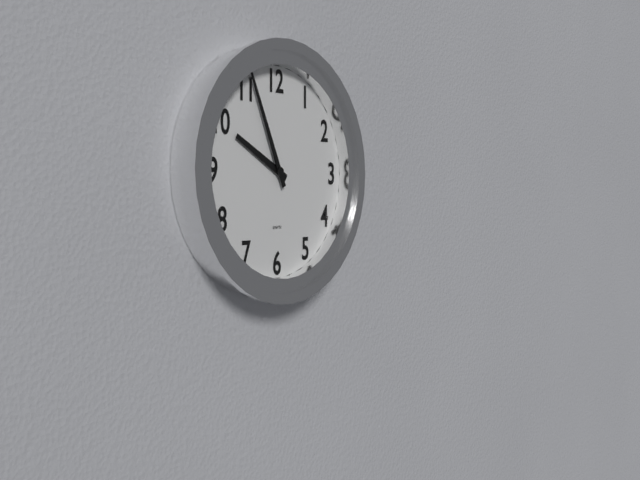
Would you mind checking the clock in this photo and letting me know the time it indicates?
9:56
